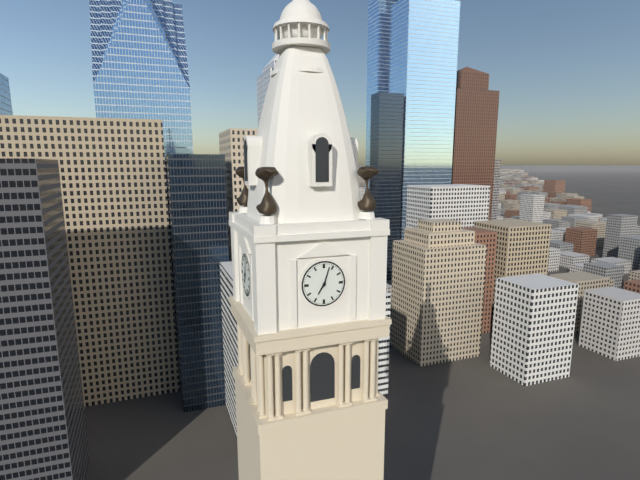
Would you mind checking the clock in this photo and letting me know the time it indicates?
7:03
